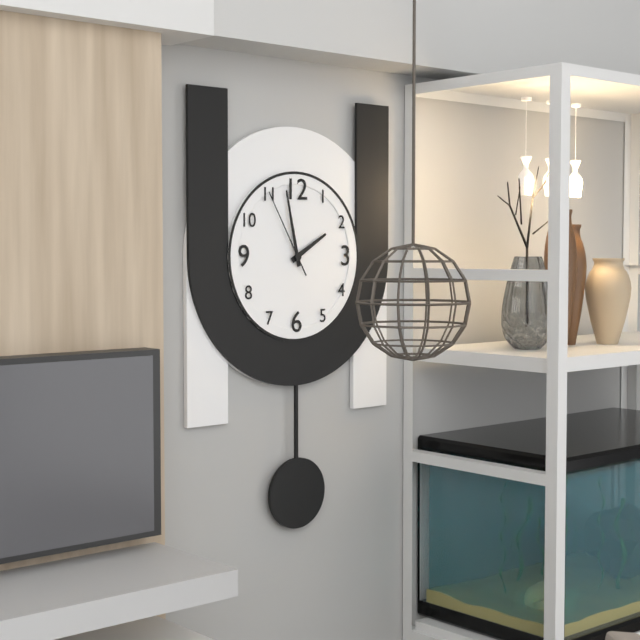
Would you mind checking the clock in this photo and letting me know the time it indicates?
1:58:55
